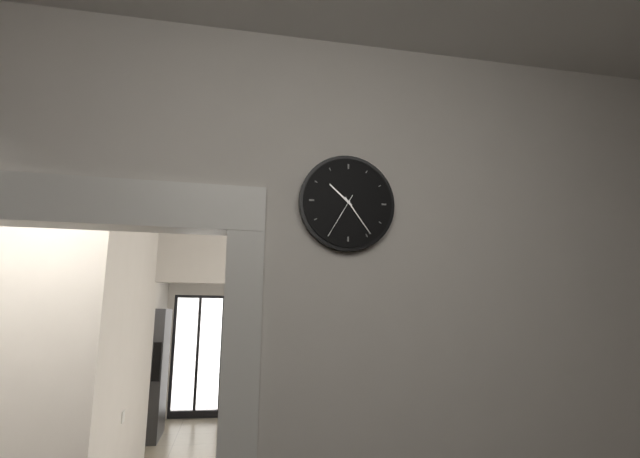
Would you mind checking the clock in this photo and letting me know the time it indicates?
10:24
